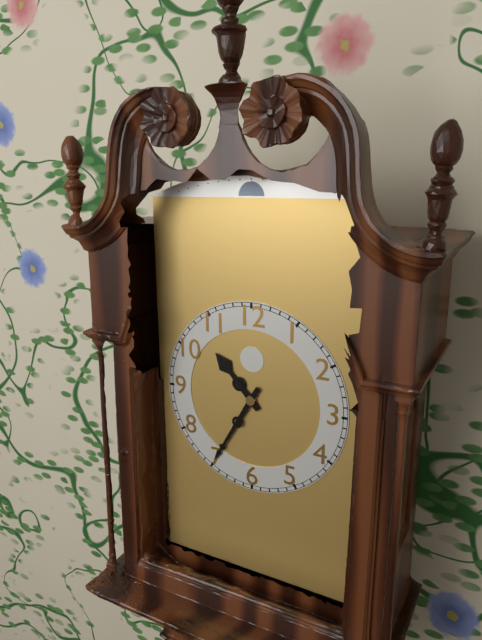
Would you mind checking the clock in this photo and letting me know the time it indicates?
10:35
